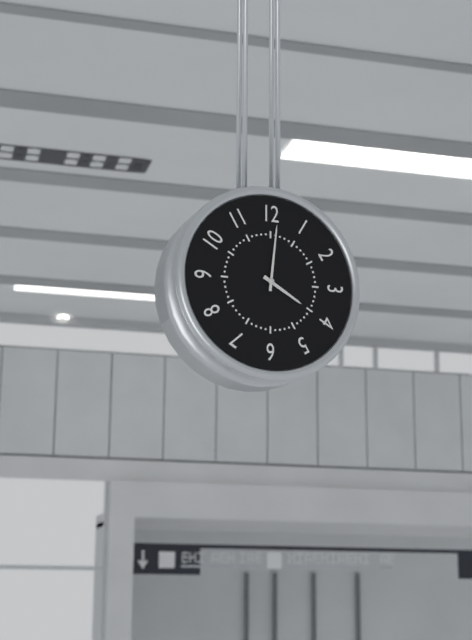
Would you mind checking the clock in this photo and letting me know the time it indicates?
4:01
